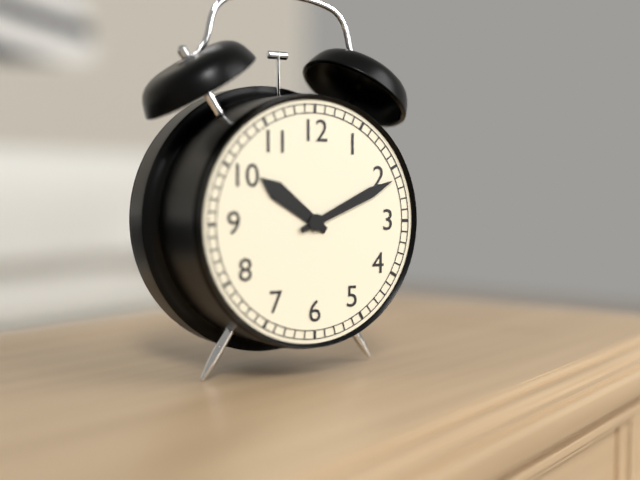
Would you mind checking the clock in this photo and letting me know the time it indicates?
10:11
